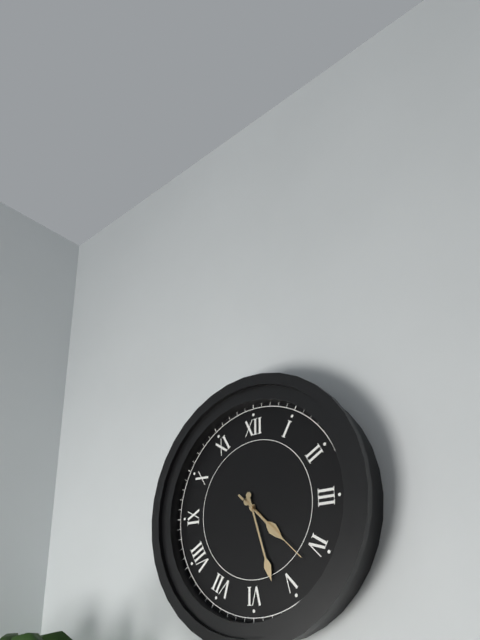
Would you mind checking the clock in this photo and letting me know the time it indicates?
4:27:22
